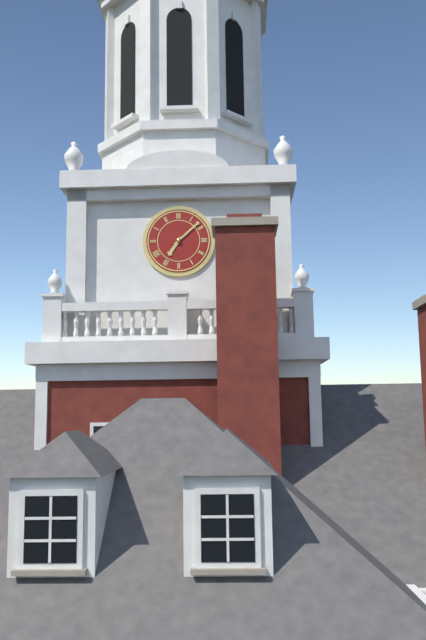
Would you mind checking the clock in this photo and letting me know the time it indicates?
7:08
